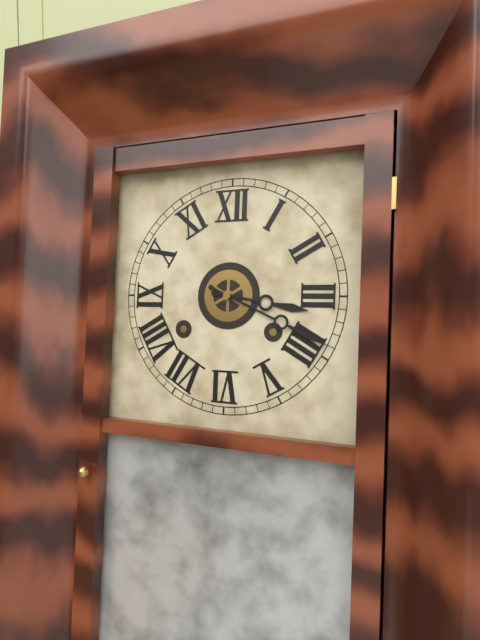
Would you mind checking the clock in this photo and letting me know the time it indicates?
3:19
